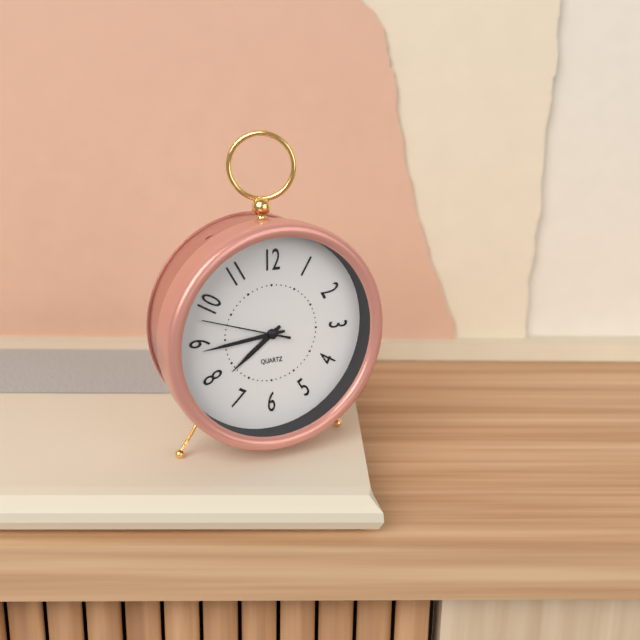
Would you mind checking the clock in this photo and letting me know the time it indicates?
7:44:48
